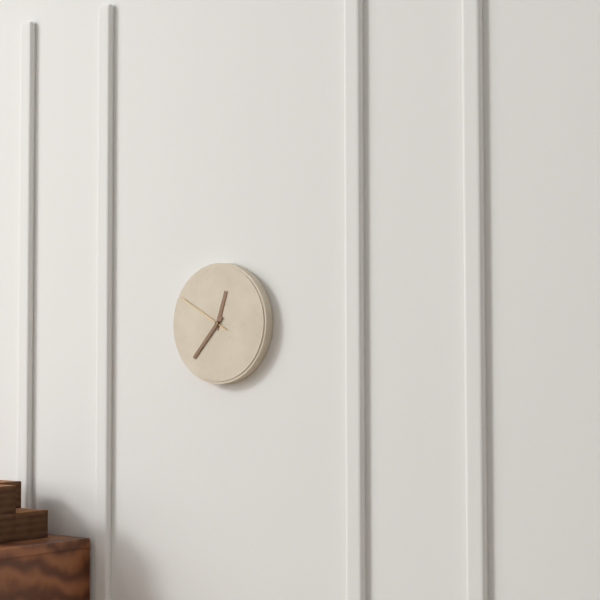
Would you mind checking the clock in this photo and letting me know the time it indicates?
12:37:50
